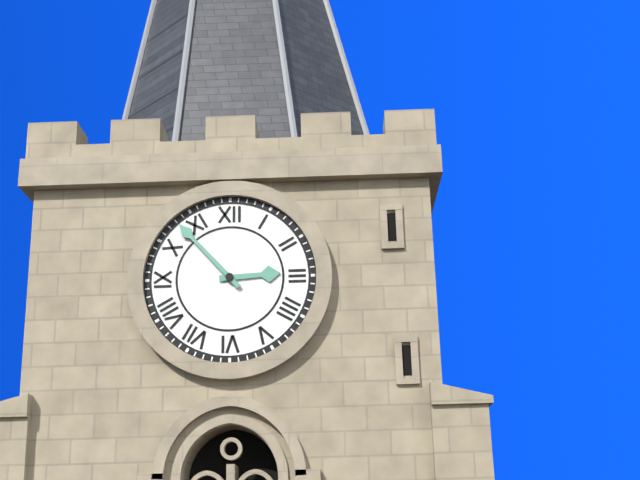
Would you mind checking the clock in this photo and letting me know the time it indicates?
2:53
